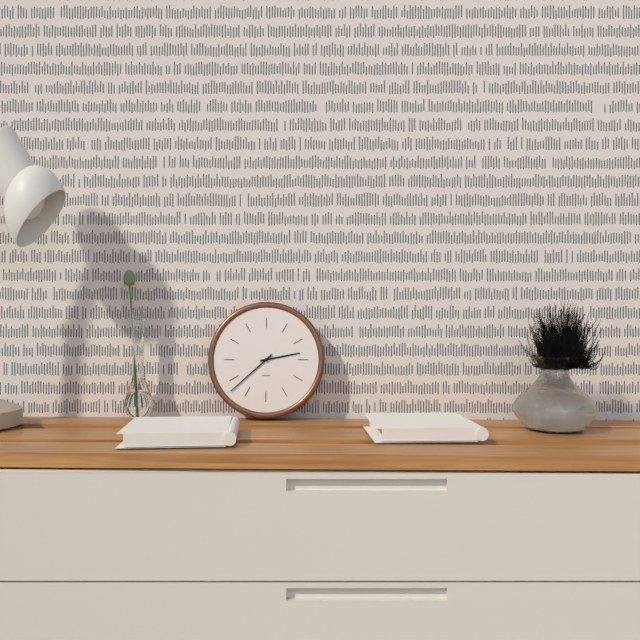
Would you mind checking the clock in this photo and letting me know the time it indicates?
2:38
